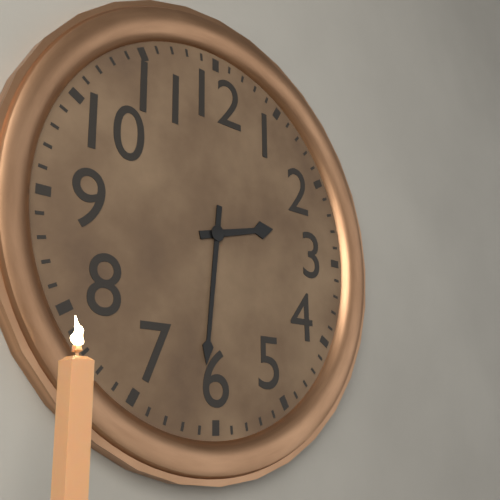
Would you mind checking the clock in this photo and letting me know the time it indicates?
2:31
